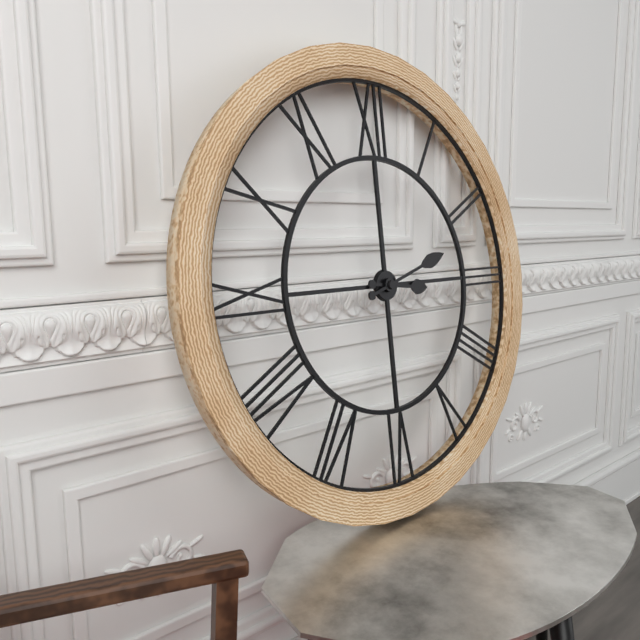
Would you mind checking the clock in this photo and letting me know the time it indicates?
3:12
